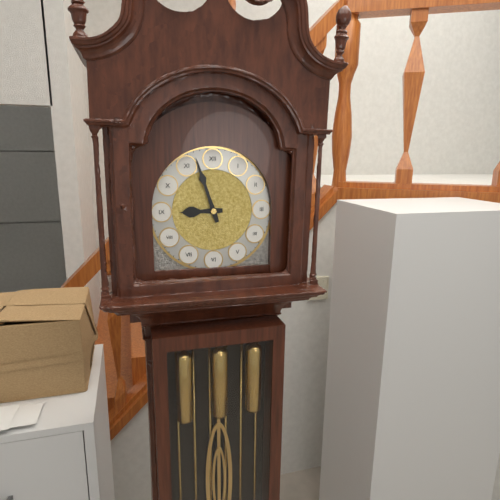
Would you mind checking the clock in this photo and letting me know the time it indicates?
8:57
